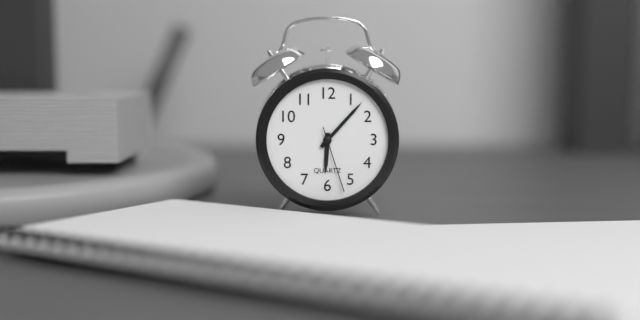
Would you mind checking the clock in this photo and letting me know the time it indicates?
6:07:27
